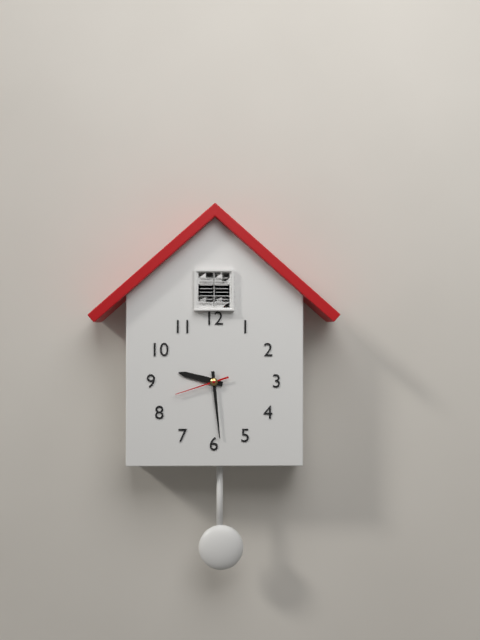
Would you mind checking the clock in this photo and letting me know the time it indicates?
9:29:42
